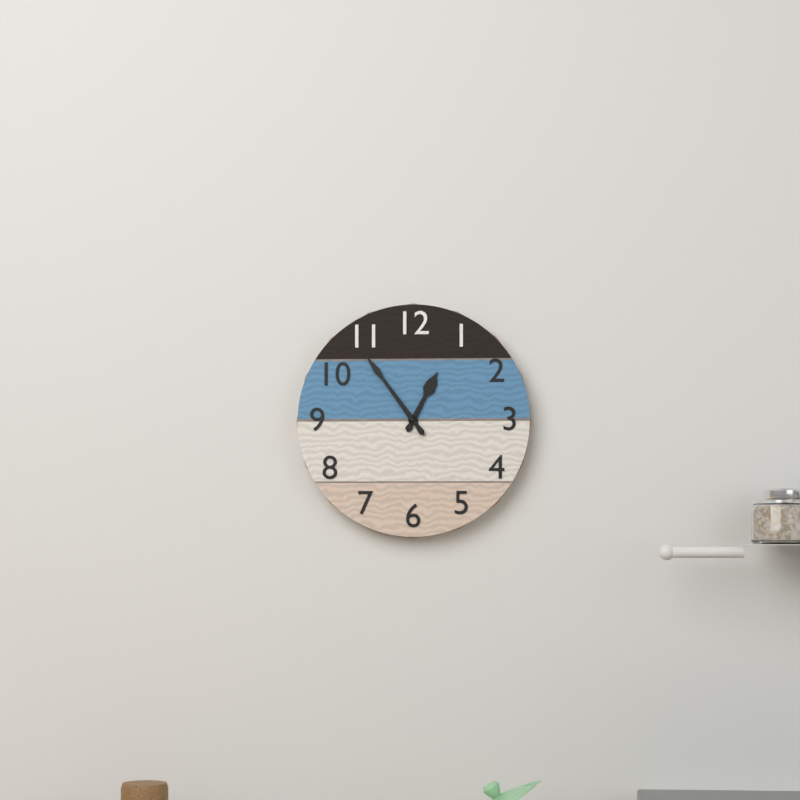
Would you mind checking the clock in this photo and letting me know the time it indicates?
12:54
